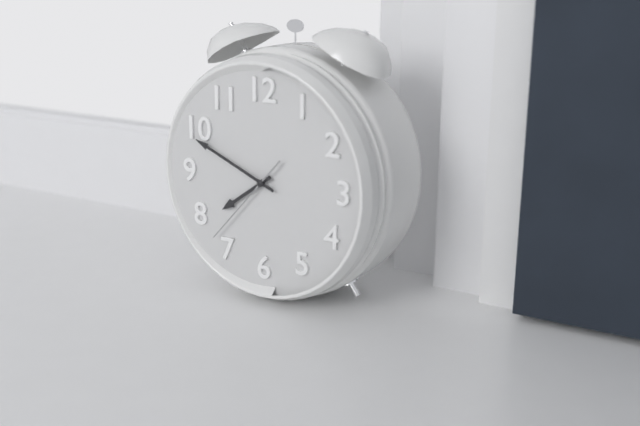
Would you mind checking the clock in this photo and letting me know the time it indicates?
7:49:37
